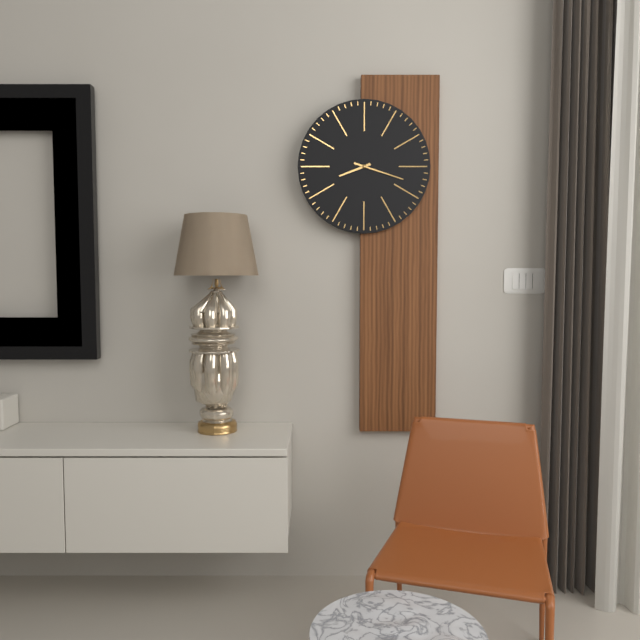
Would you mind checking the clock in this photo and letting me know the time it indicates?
8:18
